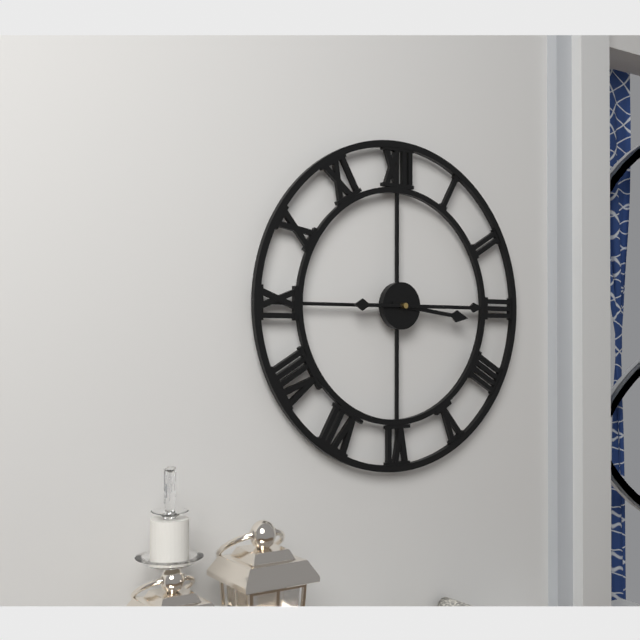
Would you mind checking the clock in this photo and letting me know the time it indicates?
3:15
